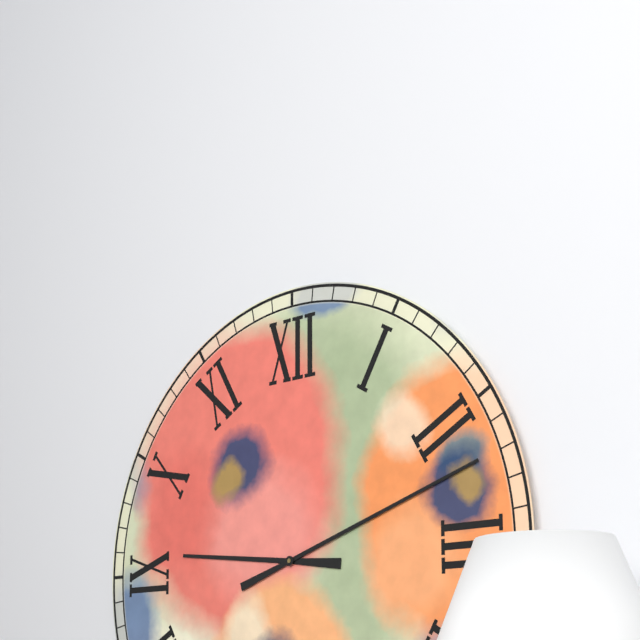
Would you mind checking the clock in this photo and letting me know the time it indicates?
9:12
